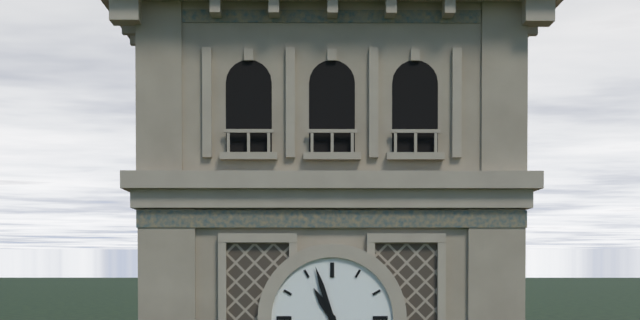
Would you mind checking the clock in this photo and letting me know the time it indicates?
10:57
